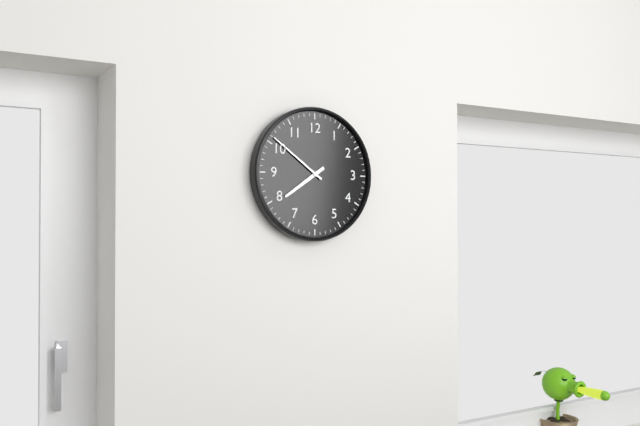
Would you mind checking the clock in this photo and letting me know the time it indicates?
7:51
